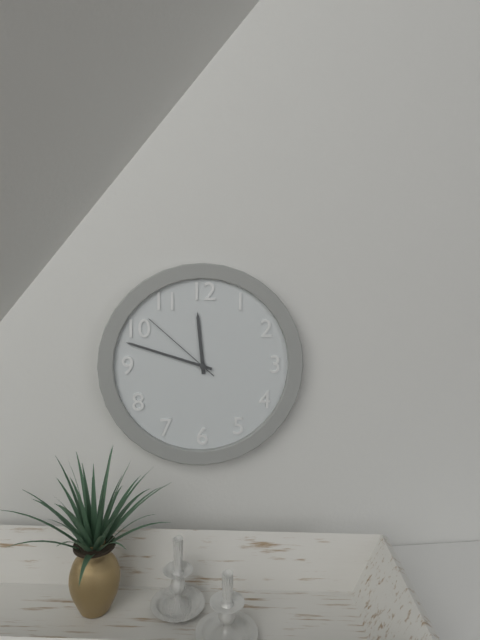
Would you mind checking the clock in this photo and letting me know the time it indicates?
11:48:52
